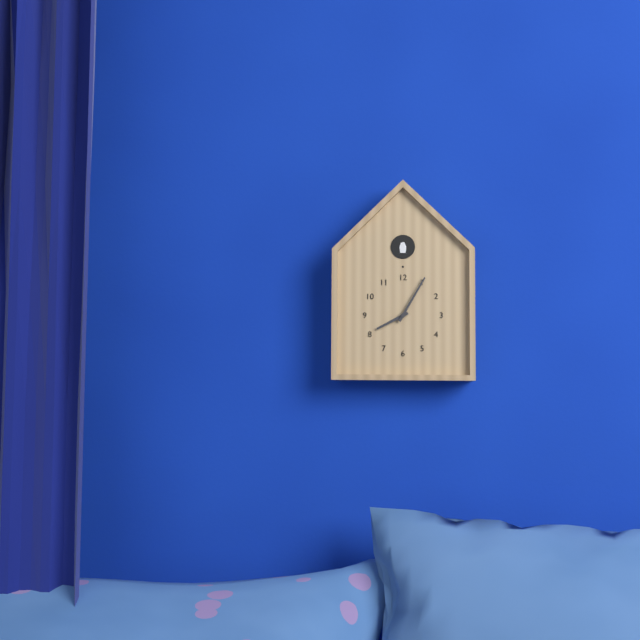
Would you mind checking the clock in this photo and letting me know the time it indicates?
8:05
